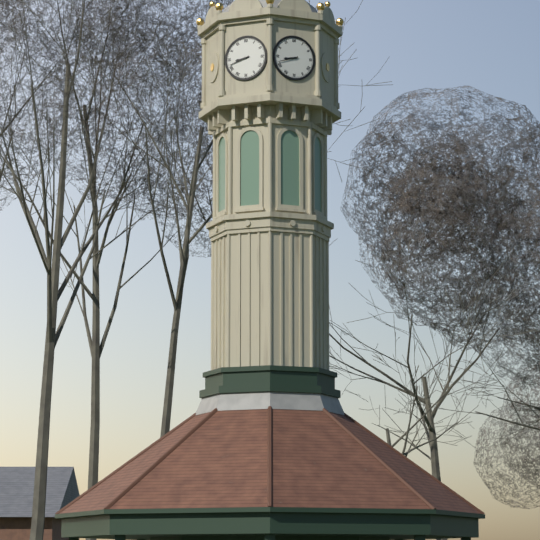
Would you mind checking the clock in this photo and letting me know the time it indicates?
8:42
